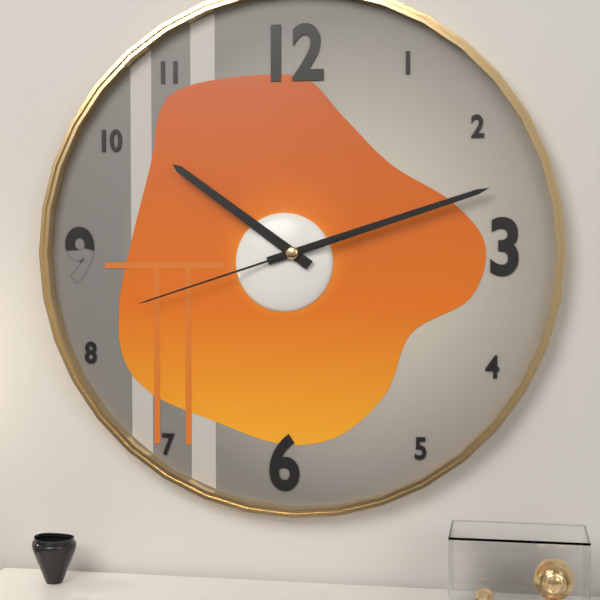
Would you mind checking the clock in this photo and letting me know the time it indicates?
10:12:42
